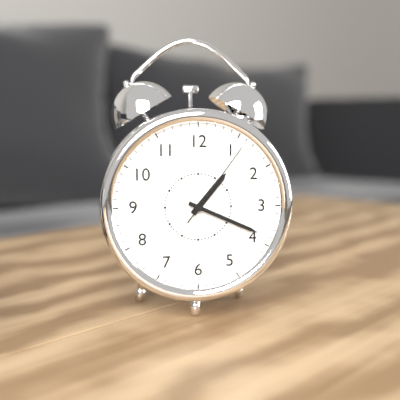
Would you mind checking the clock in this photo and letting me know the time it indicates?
1:19:06
